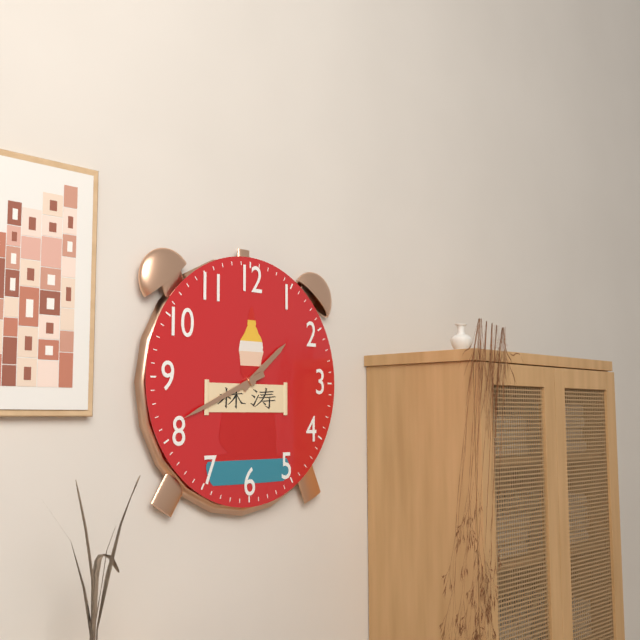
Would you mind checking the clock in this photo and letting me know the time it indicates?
1:41
